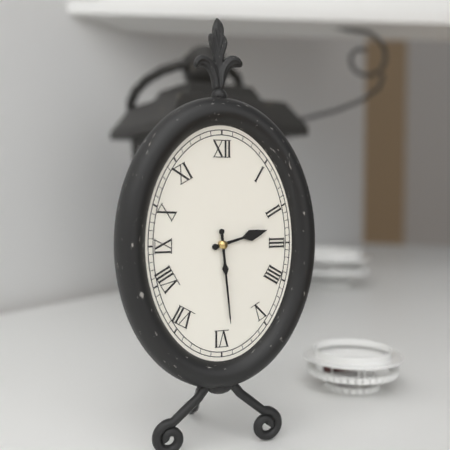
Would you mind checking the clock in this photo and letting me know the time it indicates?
2:29
